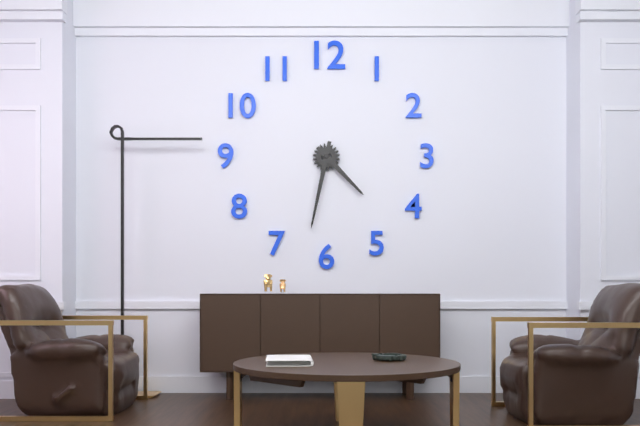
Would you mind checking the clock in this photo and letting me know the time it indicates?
4:32
